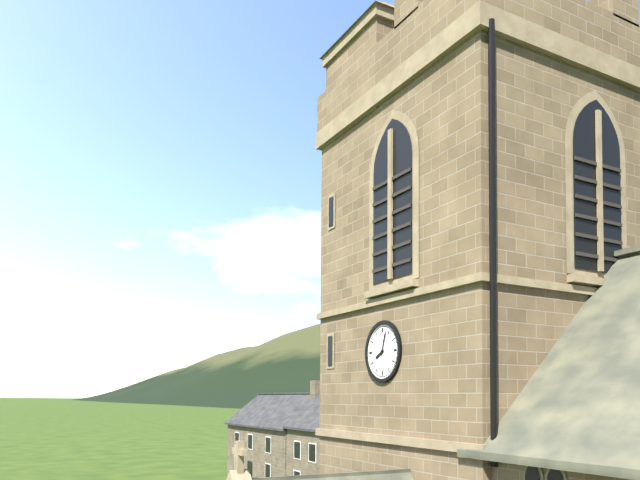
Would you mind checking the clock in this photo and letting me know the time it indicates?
8:03
